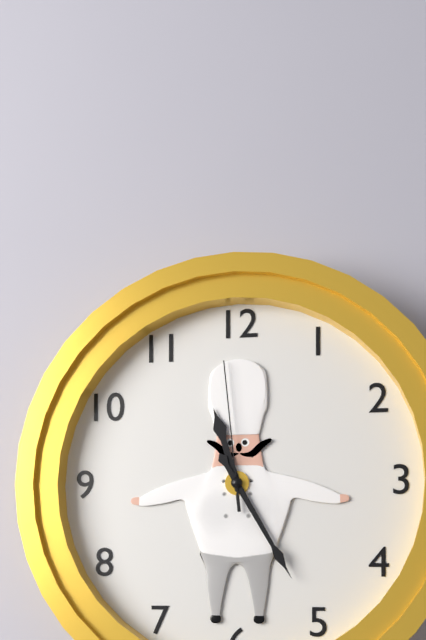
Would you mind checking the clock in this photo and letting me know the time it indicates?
11:25:59
